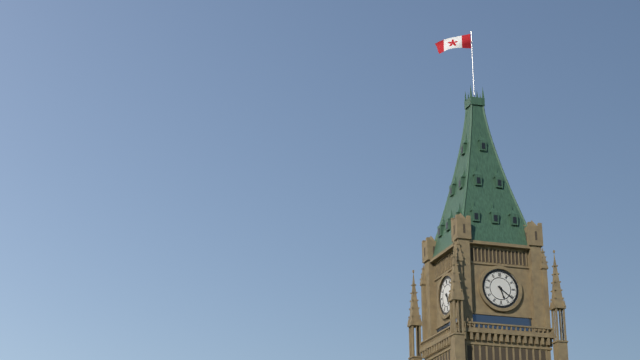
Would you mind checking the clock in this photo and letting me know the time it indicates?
5:21
